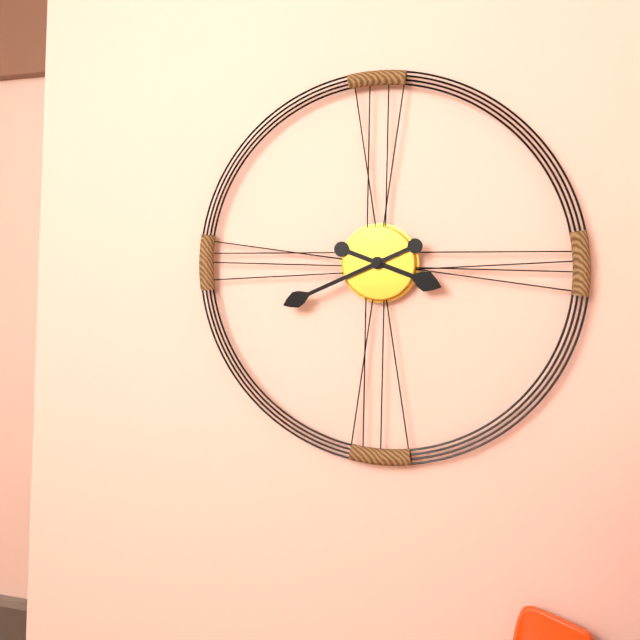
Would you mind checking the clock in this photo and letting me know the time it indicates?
3:41
